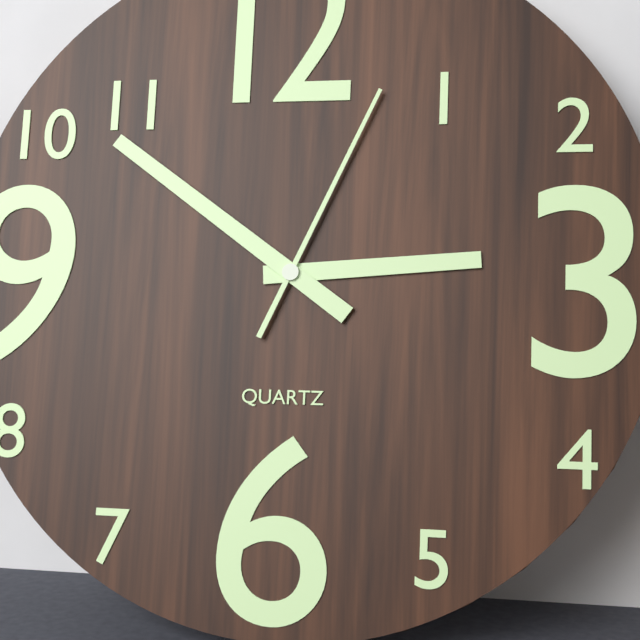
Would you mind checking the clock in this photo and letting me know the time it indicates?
2:51:04
